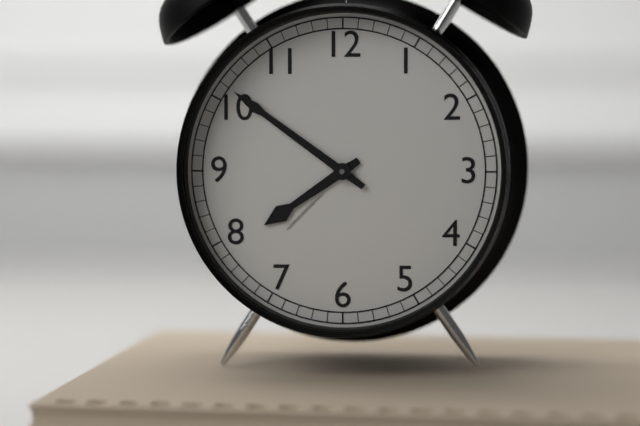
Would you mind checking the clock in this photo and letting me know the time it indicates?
7:51
